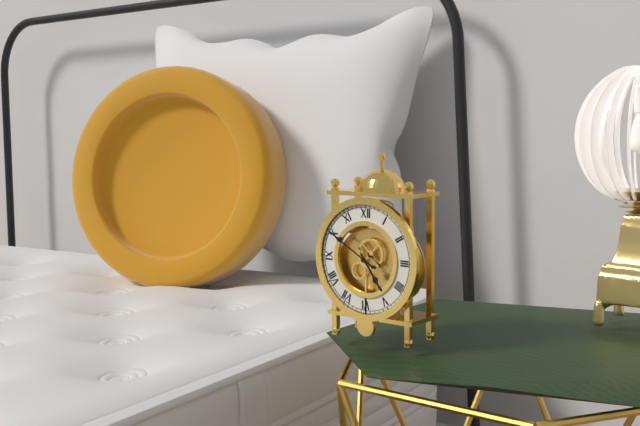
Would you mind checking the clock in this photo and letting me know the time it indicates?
4:50
